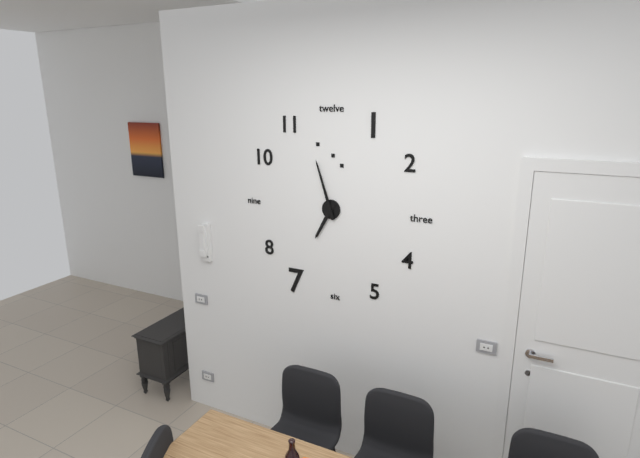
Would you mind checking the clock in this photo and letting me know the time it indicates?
6:57
